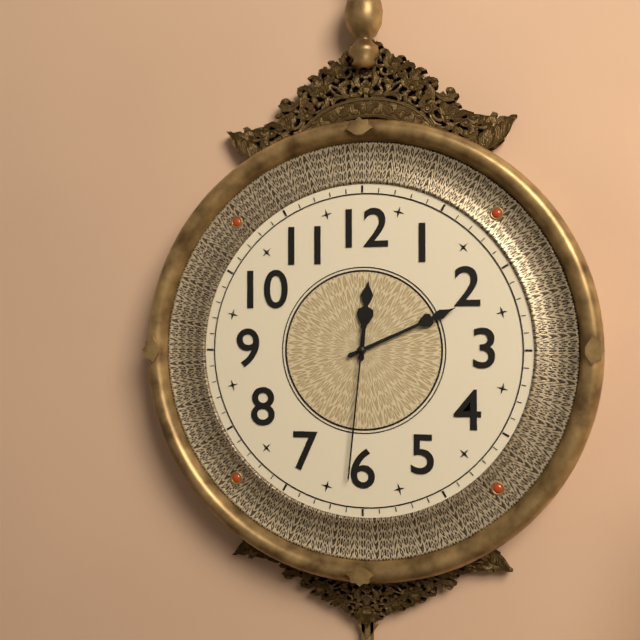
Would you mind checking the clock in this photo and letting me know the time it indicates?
12:11:31
